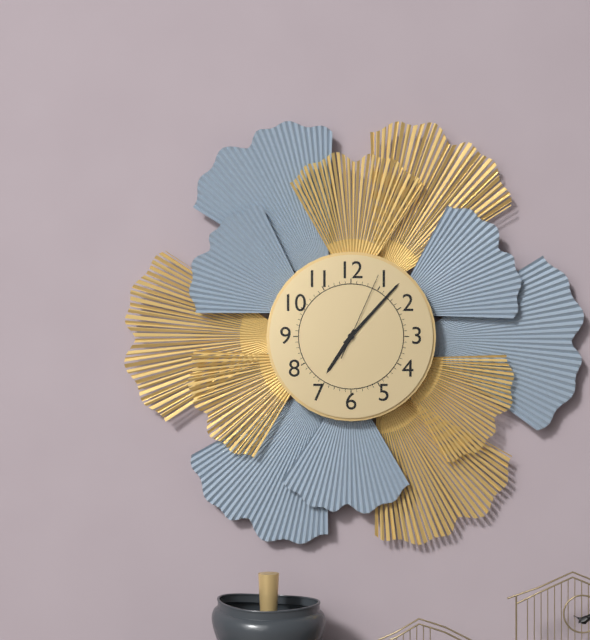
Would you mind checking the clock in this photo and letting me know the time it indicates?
7:07:04
